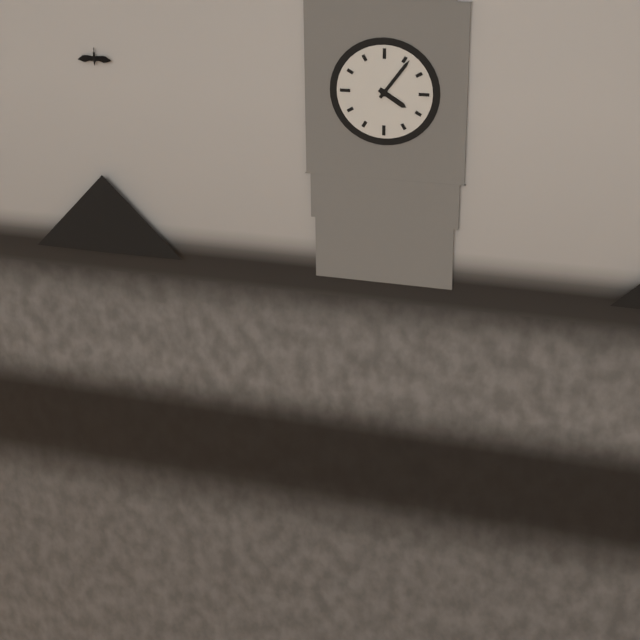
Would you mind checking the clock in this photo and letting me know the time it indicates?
4:06
